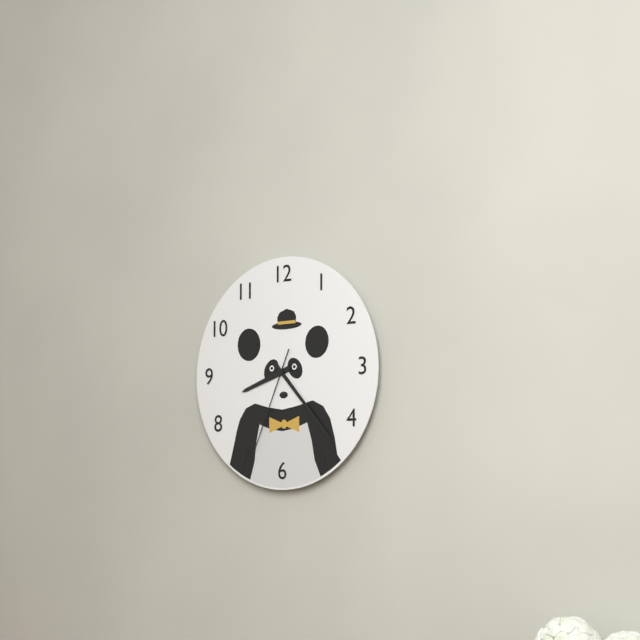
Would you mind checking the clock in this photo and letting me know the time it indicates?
8:23:34
